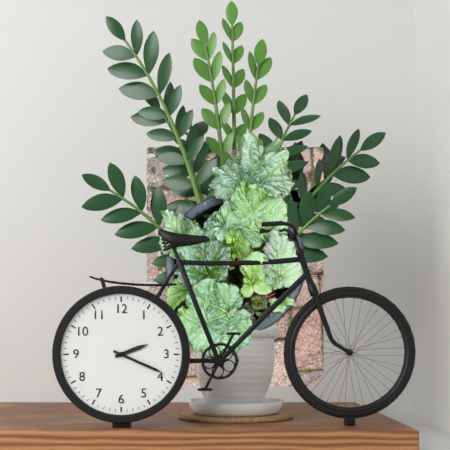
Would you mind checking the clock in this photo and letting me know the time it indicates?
2:19
